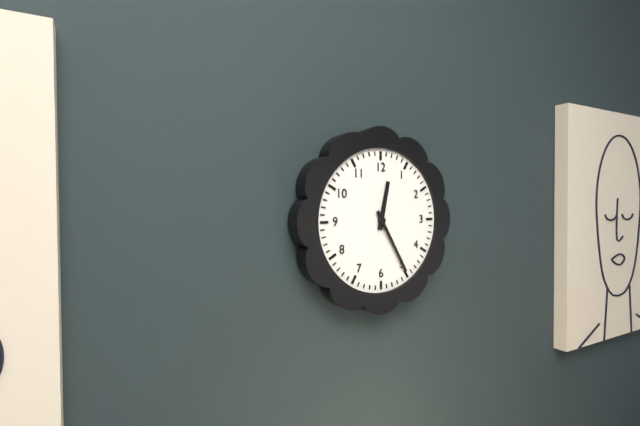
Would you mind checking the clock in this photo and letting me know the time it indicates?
12:25
